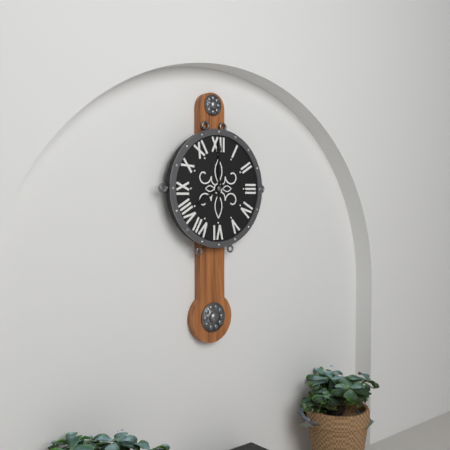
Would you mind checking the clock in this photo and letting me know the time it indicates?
8:00
